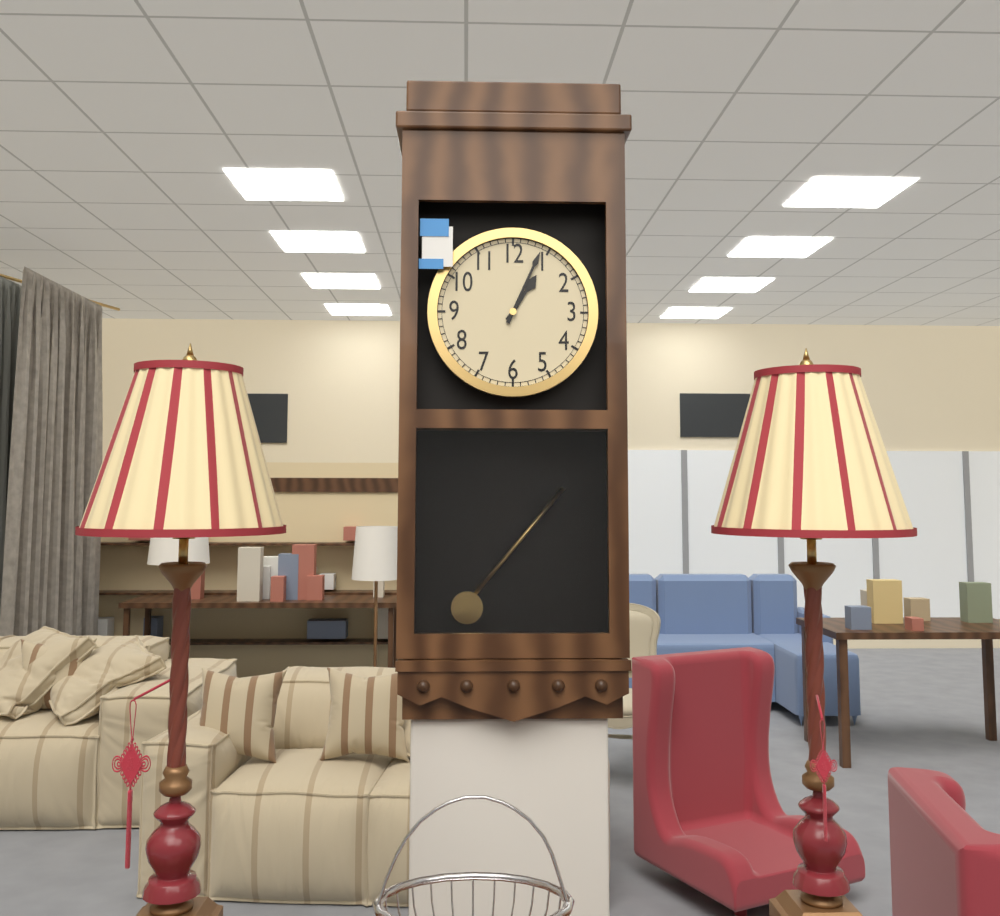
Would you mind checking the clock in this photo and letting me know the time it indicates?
1:04
